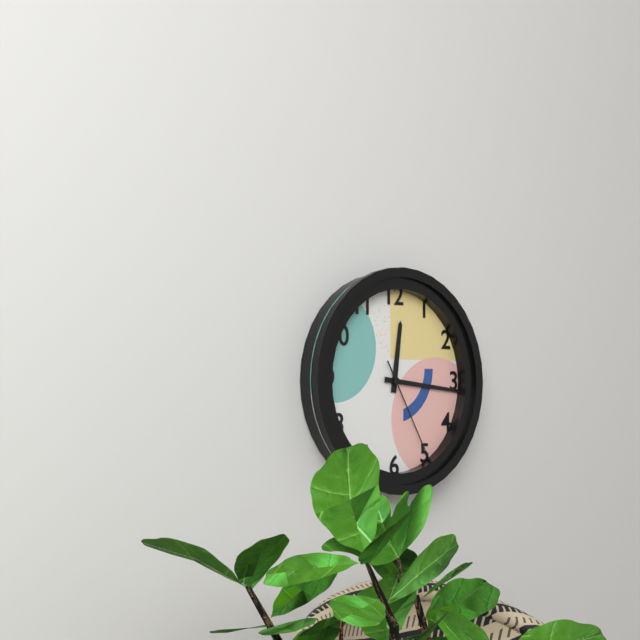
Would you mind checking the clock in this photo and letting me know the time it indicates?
12:16:25
